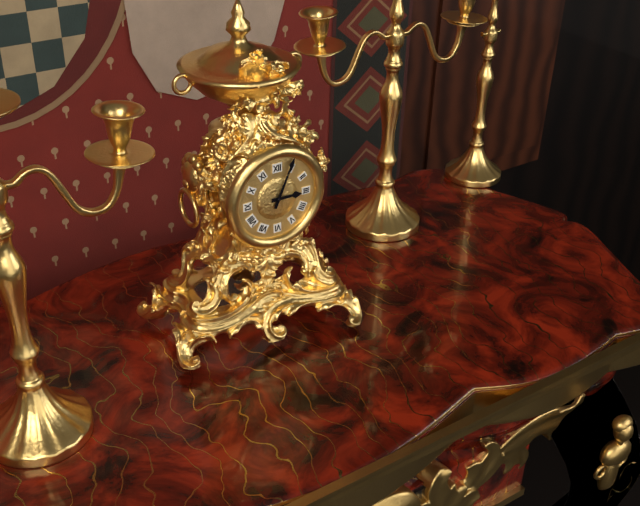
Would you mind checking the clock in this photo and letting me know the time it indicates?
3:04
